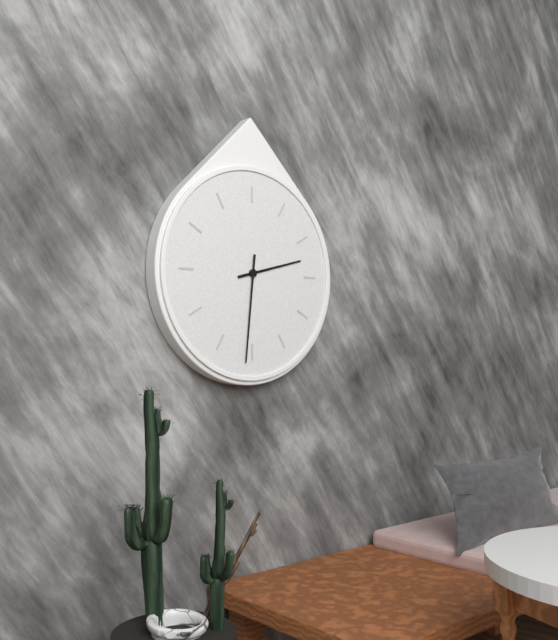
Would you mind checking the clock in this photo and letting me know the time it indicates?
2:31
